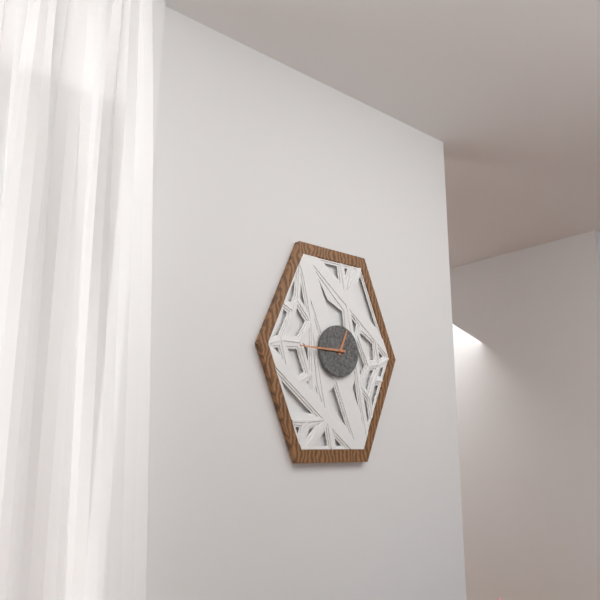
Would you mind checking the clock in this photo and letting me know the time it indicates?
12:45
